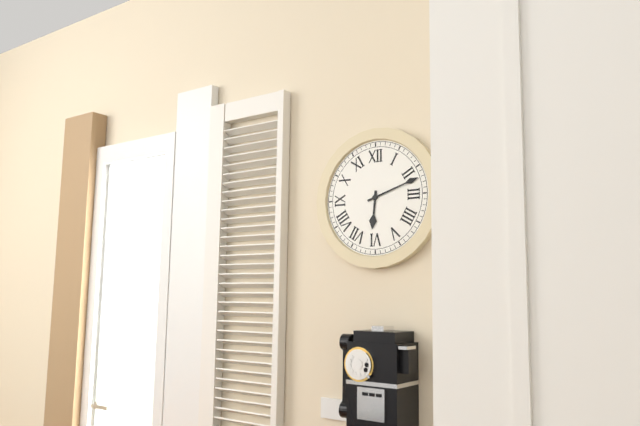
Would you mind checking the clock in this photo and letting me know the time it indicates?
6:12
